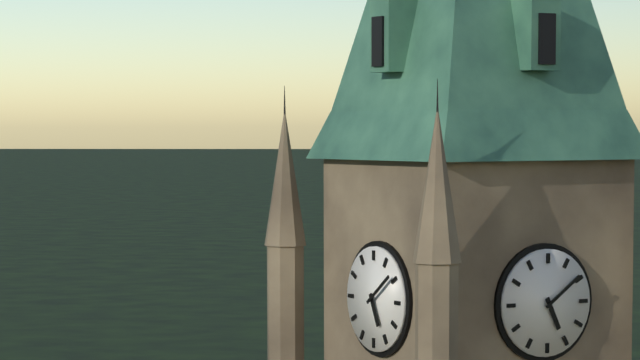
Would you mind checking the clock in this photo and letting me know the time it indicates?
5:09
